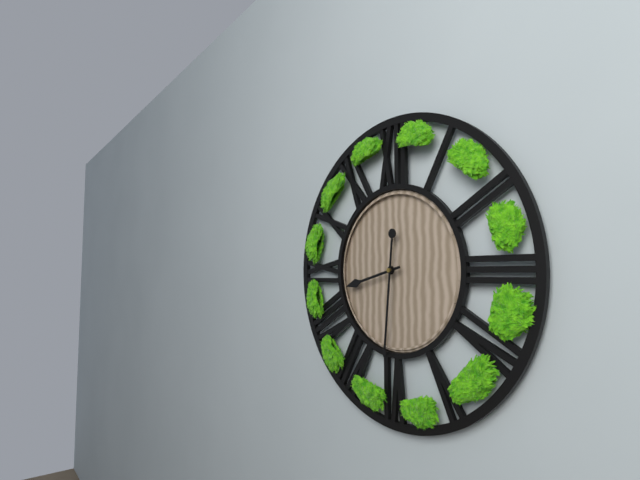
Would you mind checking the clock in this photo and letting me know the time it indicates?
8:31
